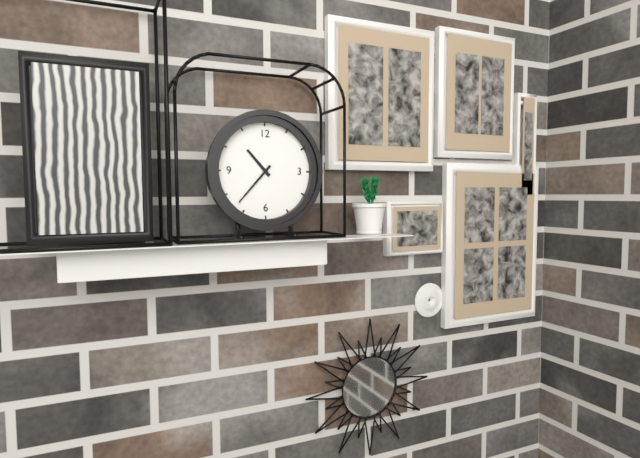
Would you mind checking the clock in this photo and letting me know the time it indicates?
10:37
